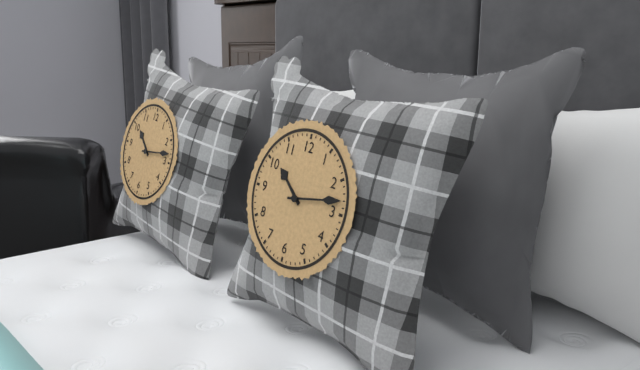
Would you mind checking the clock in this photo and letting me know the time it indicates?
10:13
